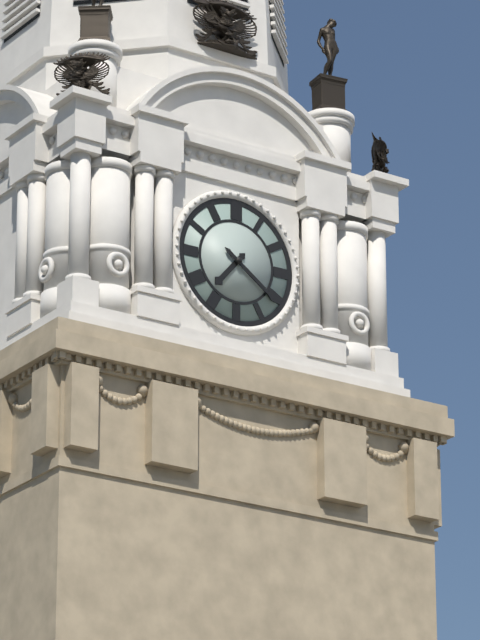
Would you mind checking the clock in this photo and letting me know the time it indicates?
7:21
